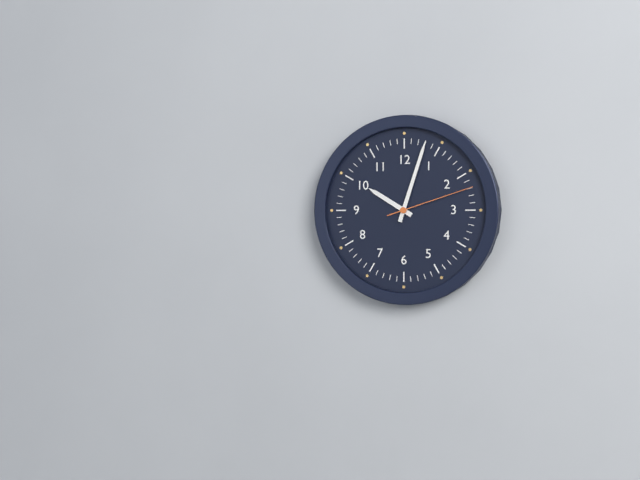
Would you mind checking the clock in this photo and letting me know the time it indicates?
10:03:12
